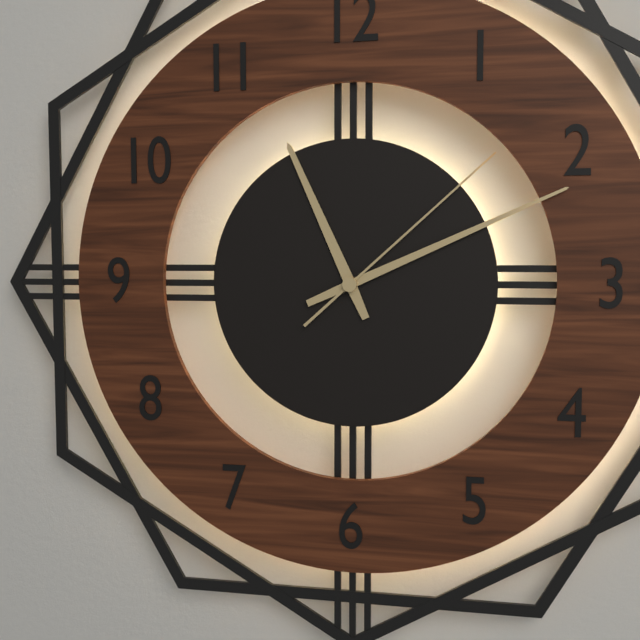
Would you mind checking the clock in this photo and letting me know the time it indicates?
11:11:08
